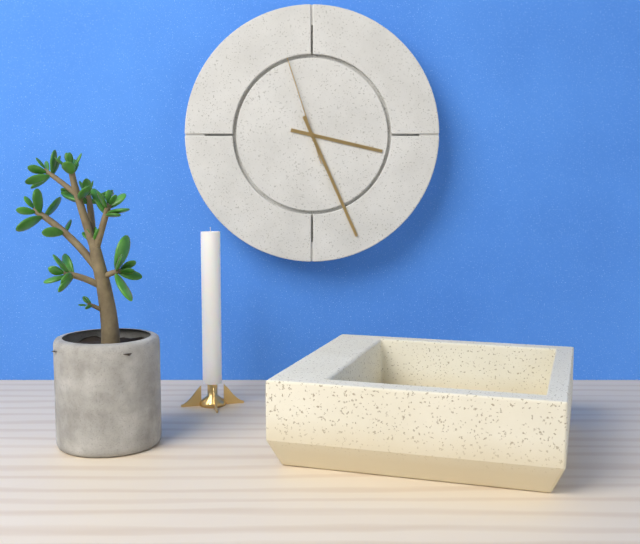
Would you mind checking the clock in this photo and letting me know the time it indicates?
3:26:57
